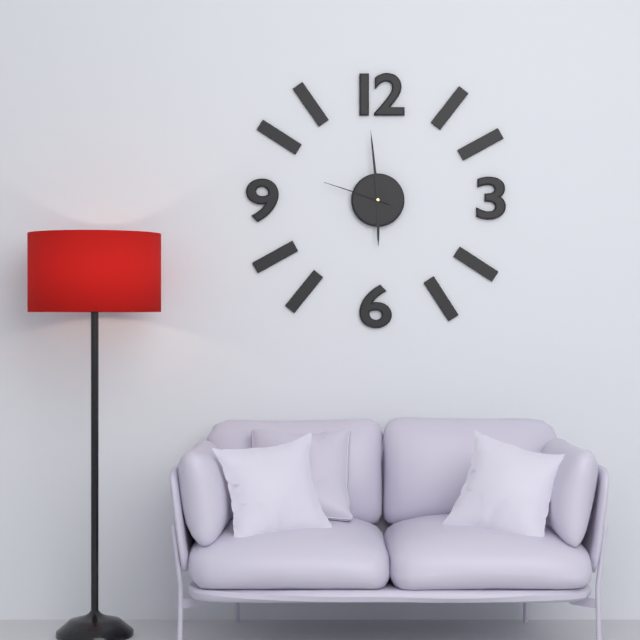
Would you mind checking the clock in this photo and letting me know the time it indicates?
5:59:48
